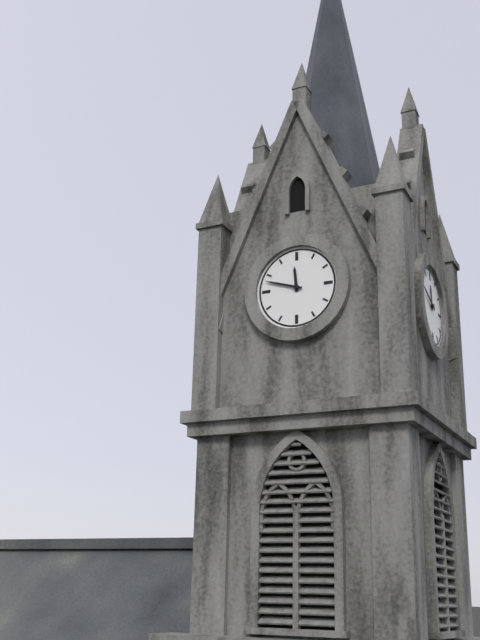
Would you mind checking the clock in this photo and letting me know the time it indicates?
11:48
